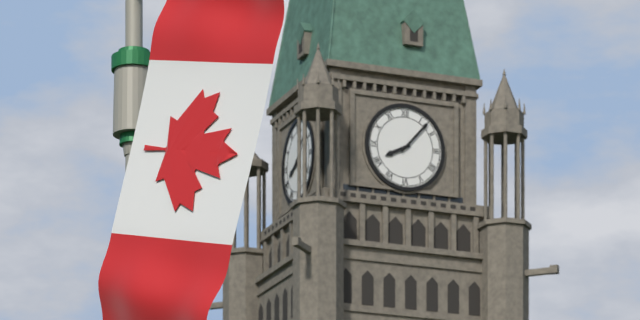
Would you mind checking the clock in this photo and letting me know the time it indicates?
8:07
